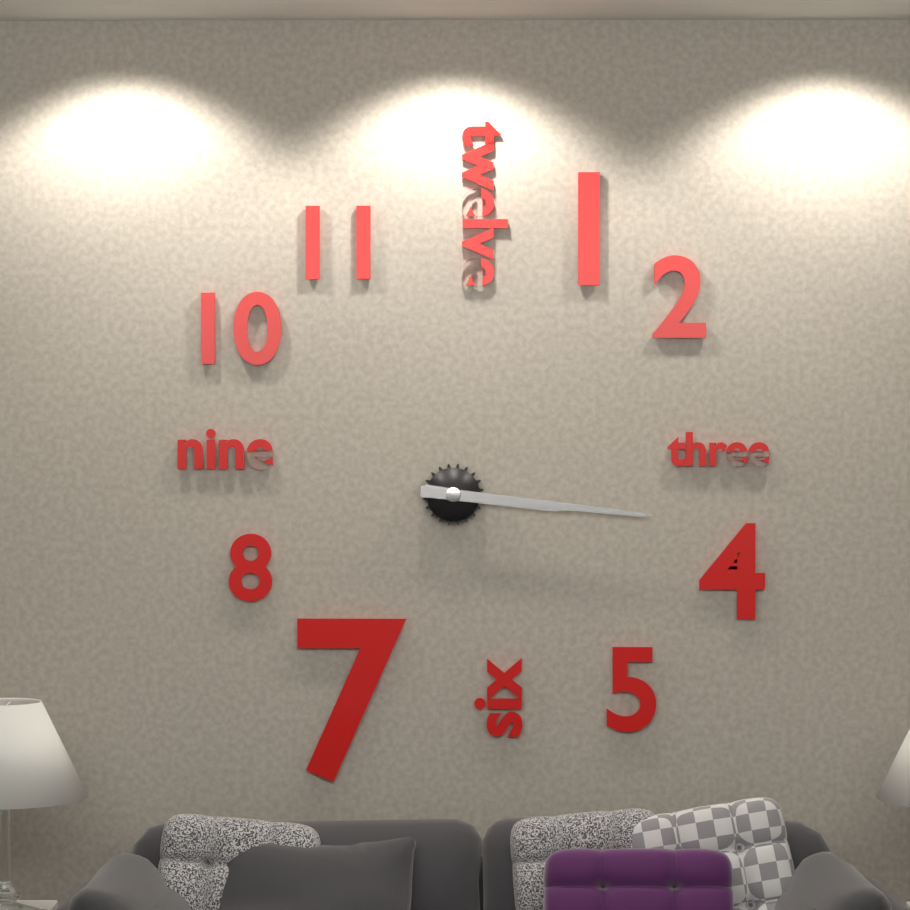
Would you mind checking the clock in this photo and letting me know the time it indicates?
3:16
